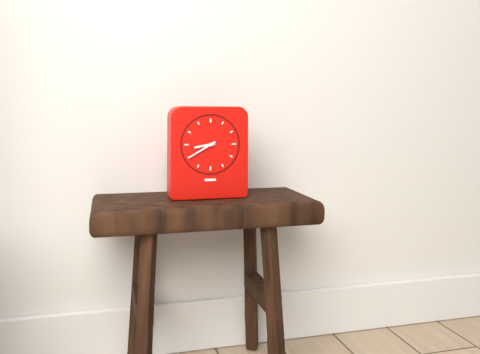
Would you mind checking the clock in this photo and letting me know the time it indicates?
8:40
